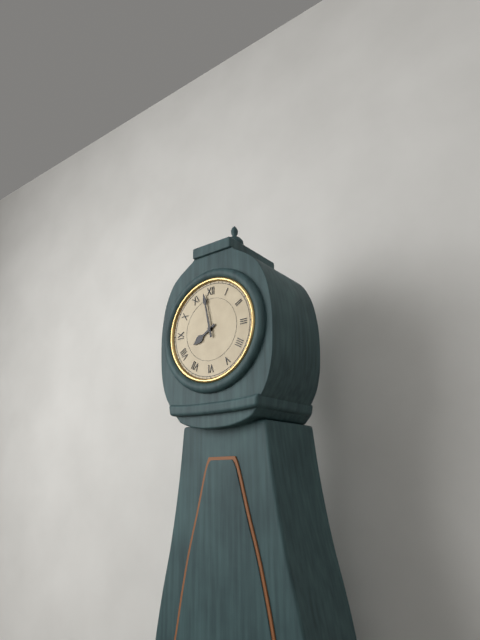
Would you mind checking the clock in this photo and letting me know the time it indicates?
7:58
